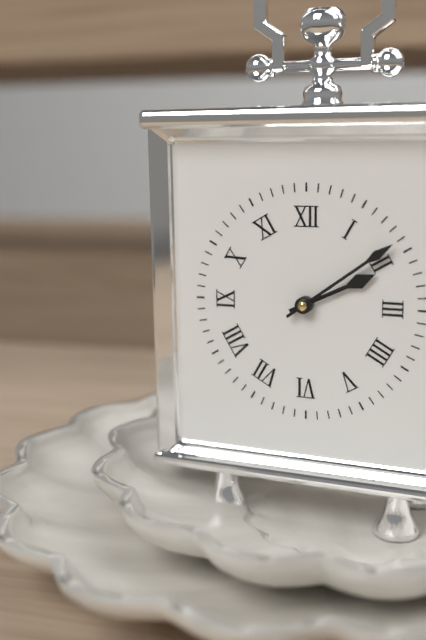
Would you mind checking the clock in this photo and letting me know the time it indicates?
2:09
